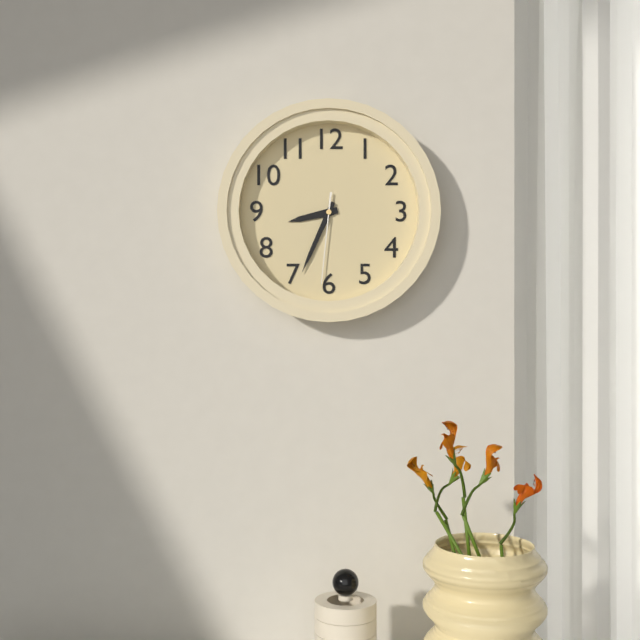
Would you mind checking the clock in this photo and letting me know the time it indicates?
8:34:31
